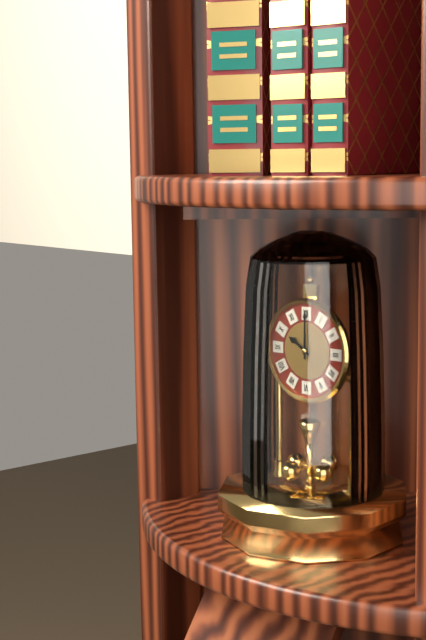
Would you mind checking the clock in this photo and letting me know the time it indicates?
10:00
